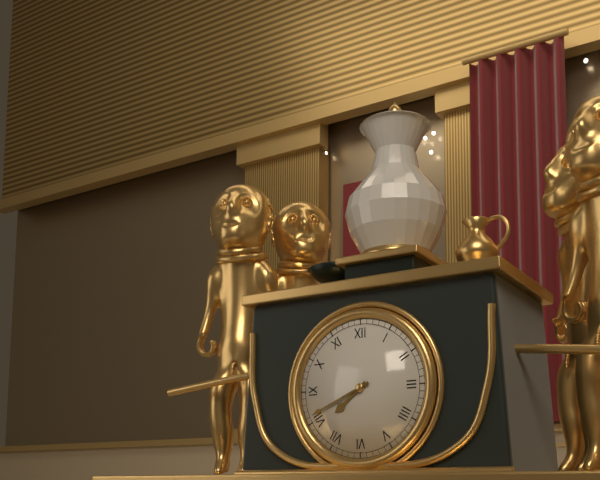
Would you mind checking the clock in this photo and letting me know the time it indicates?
7:41
